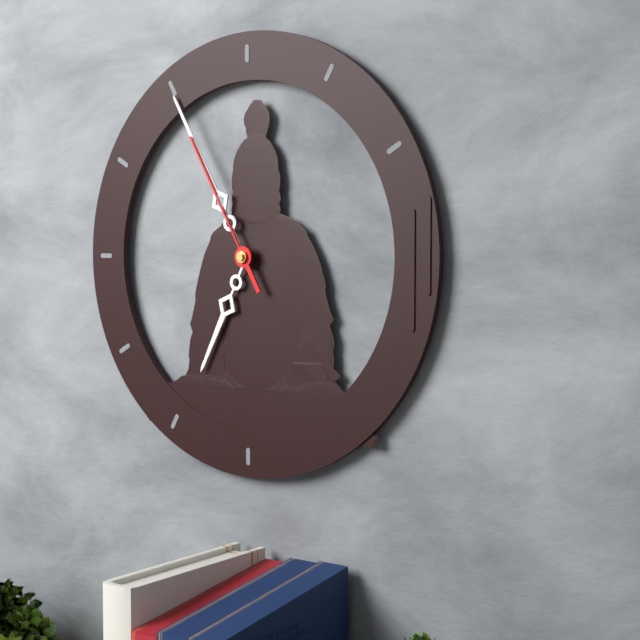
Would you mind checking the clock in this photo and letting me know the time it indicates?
6:55:55
